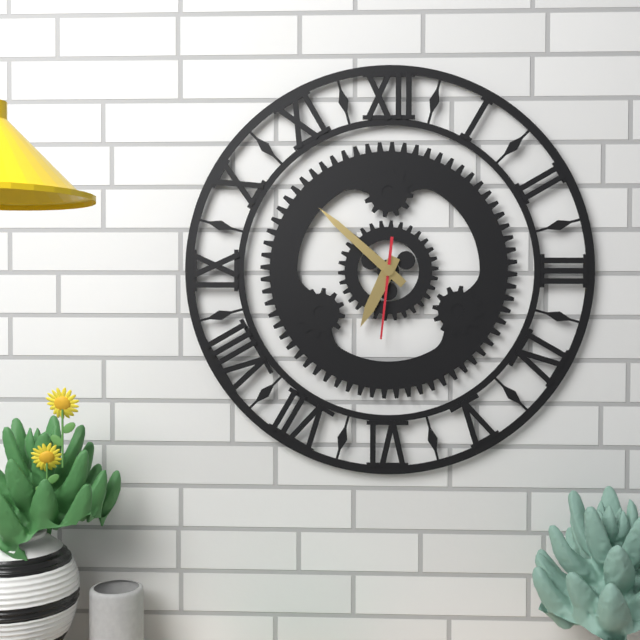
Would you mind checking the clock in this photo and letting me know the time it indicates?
6:52:31
